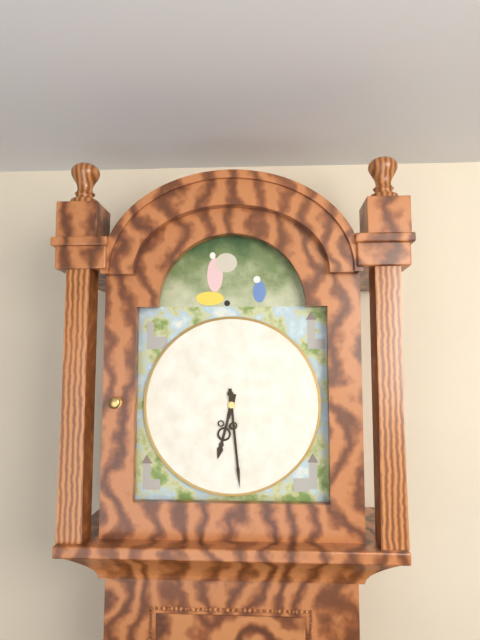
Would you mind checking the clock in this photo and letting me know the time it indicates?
6:29
